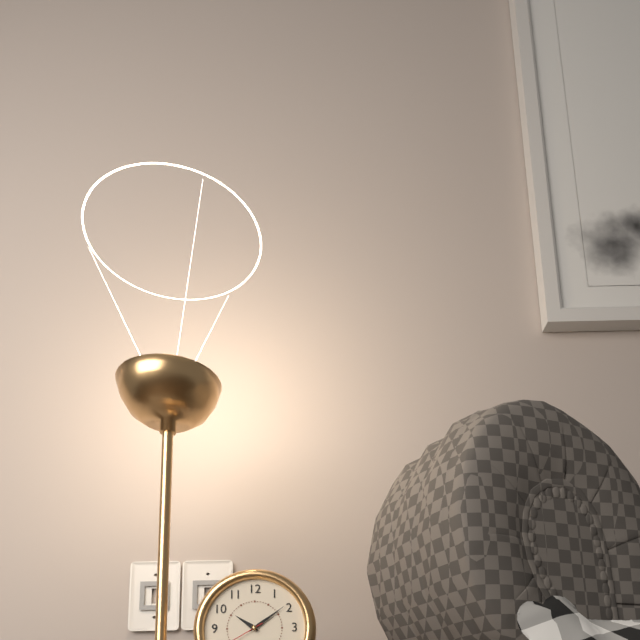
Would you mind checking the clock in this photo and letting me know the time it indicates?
10:09
